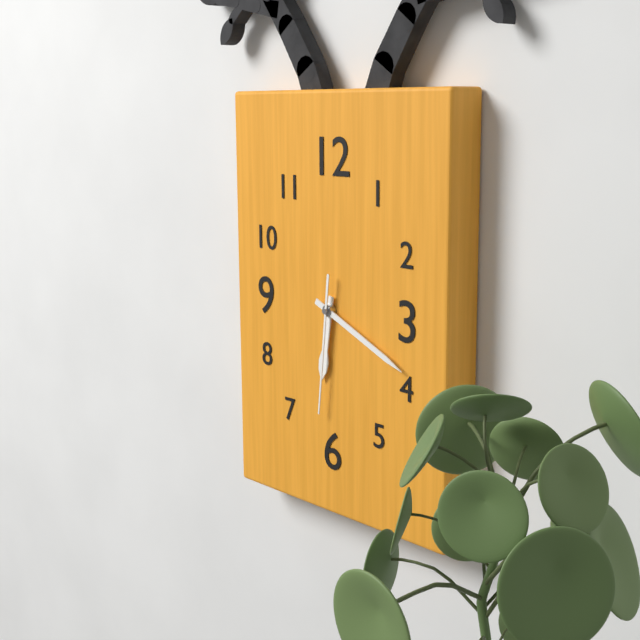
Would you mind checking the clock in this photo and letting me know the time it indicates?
6:19:31
